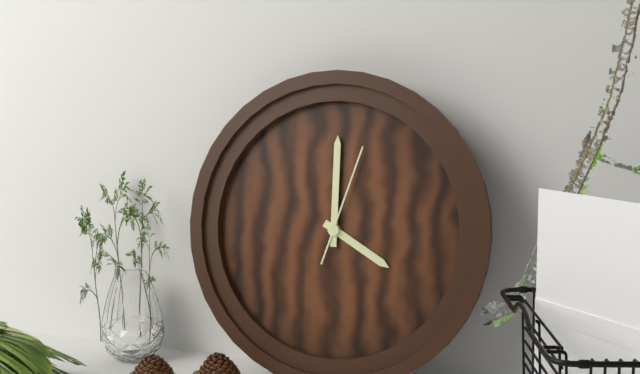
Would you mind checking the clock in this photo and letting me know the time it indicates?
4:00:03
